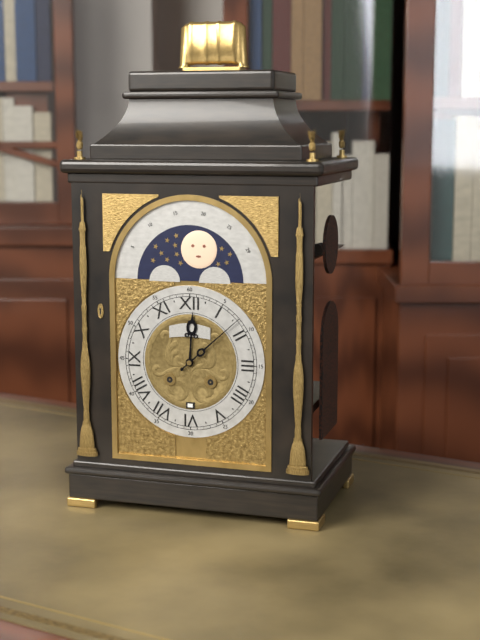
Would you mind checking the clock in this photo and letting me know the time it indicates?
12:08
